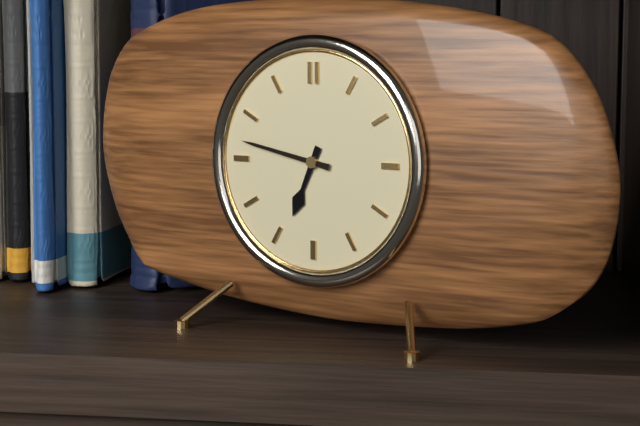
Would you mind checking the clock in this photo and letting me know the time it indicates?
6:47
